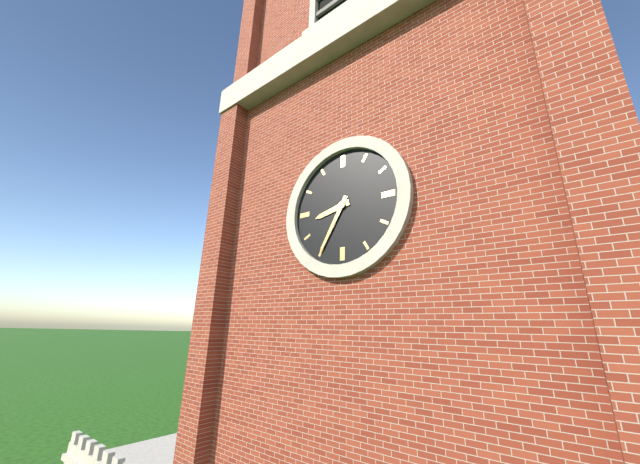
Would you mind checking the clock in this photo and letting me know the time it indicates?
8:35
